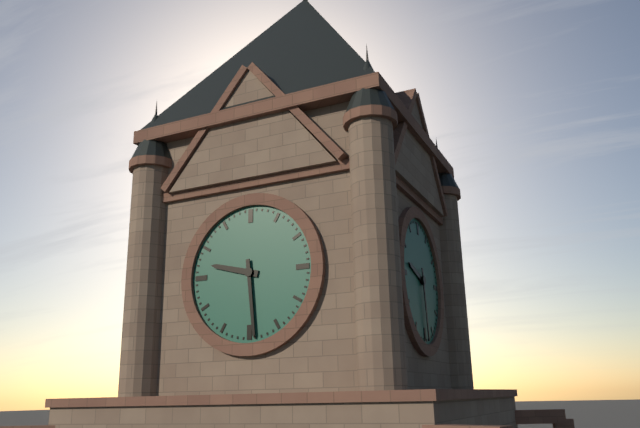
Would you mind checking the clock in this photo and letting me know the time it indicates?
9:29
